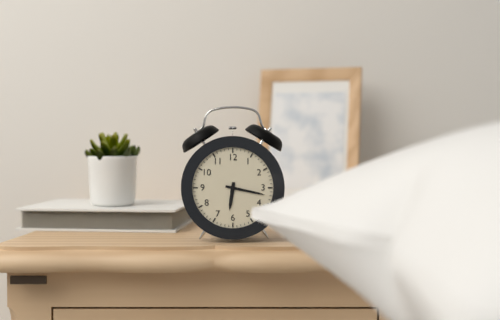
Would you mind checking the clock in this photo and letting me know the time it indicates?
6:17
